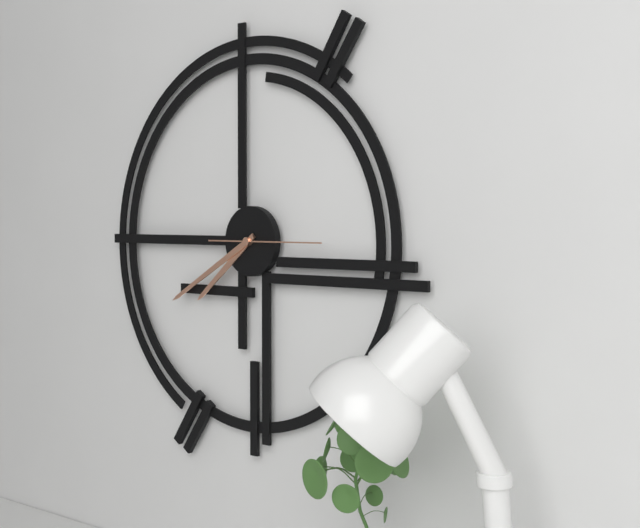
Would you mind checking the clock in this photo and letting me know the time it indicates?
7:40:15
